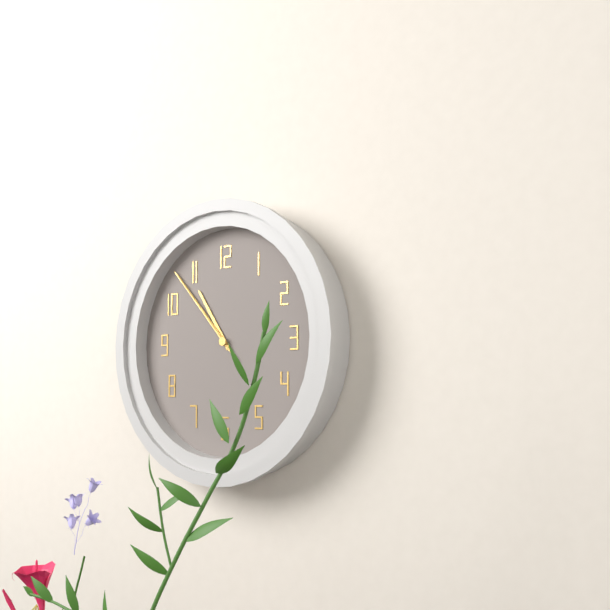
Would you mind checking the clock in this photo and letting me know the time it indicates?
10:53:53
